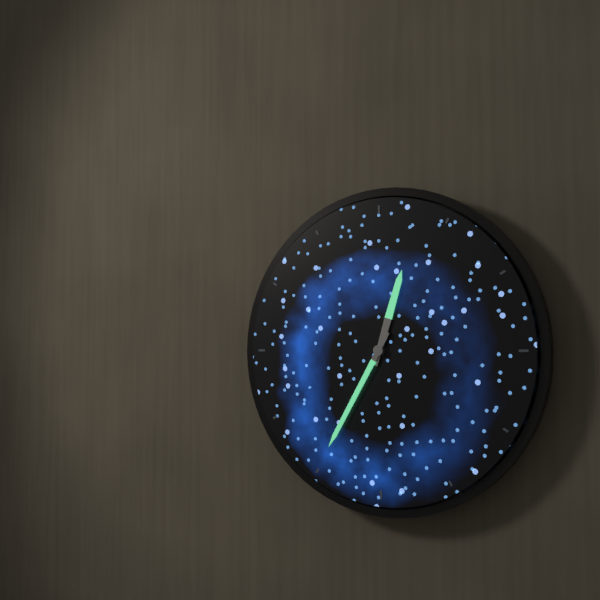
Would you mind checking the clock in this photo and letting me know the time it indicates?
12:35
